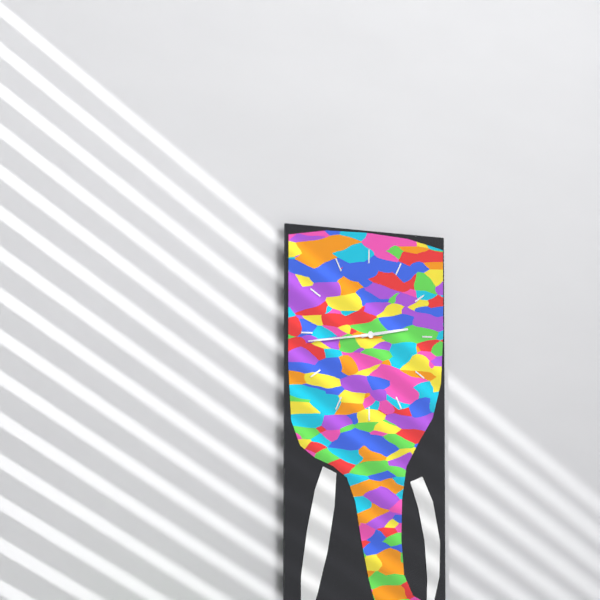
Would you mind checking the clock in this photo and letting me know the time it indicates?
2:44
